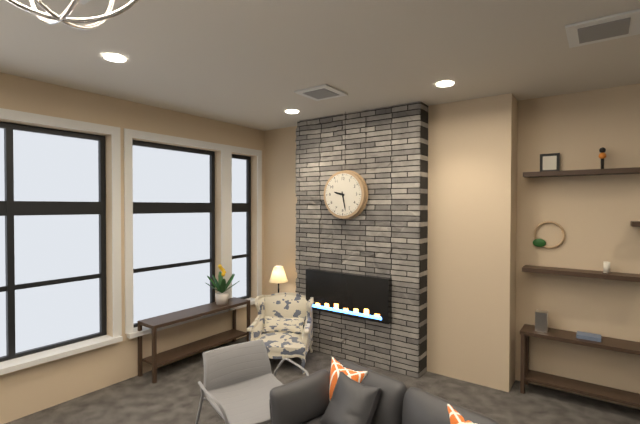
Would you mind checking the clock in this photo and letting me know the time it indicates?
9:28
